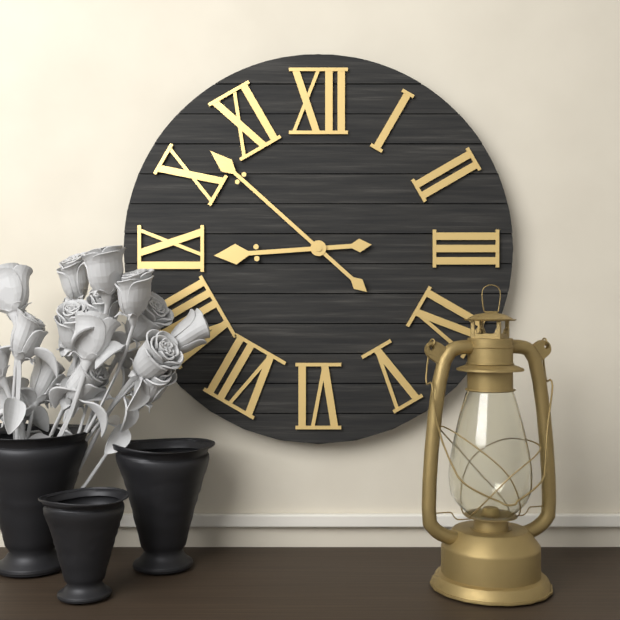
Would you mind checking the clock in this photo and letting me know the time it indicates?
8:52
